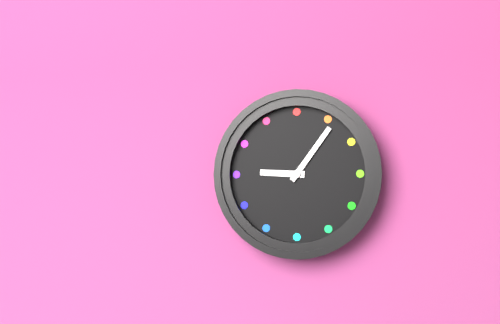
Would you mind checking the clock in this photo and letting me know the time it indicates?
9:06
